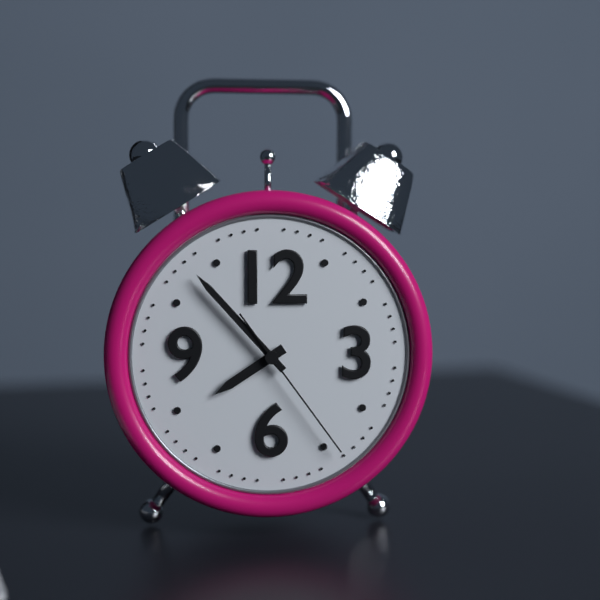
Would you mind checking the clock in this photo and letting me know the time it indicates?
7:53:24
